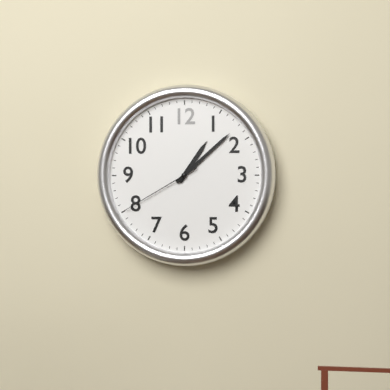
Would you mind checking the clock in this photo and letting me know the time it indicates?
1:08:40
